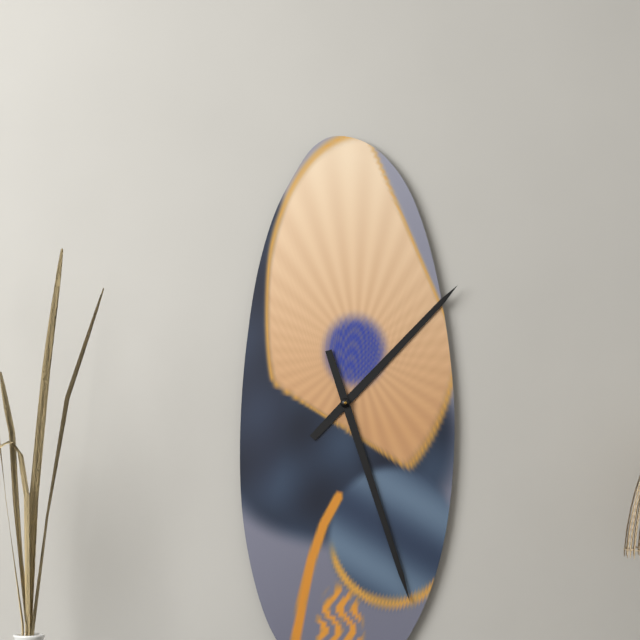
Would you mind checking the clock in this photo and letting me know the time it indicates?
1:27
